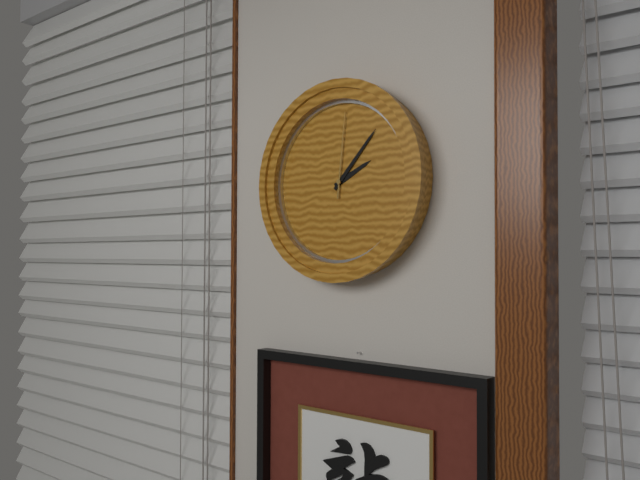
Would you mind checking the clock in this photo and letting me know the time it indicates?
2:07:01
